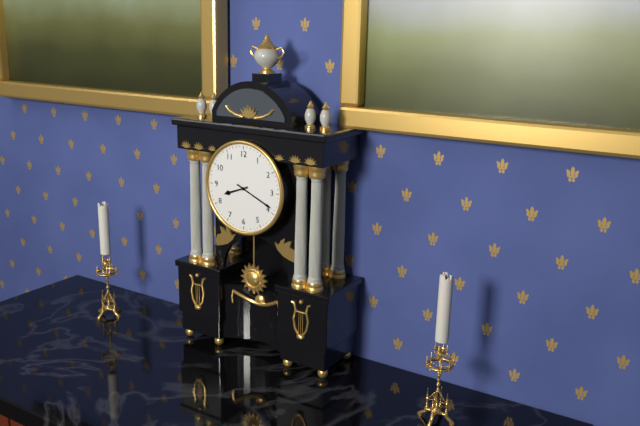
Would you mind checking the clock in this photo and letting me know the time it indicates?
8:19
